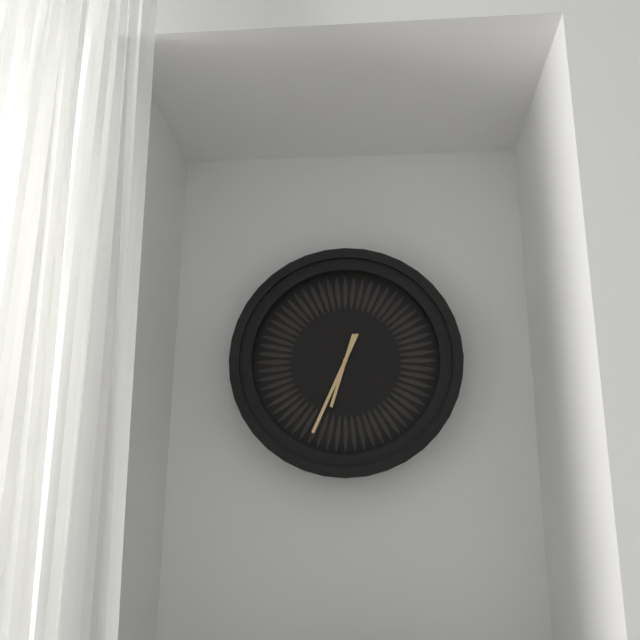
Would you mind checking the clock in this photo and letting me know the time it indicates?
6:34
